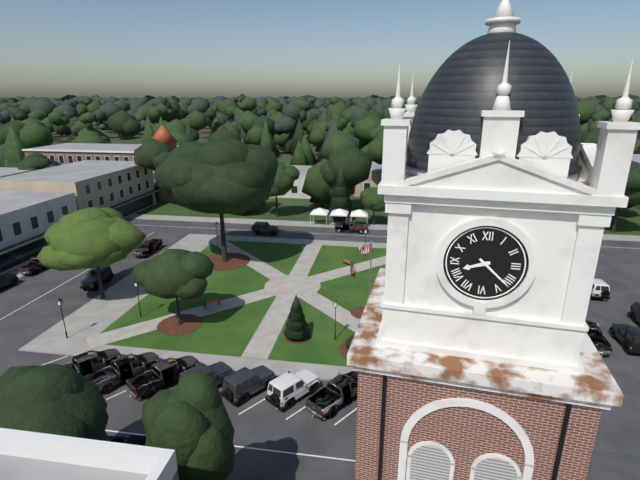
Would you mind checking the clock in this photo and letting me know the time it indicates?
8:22
